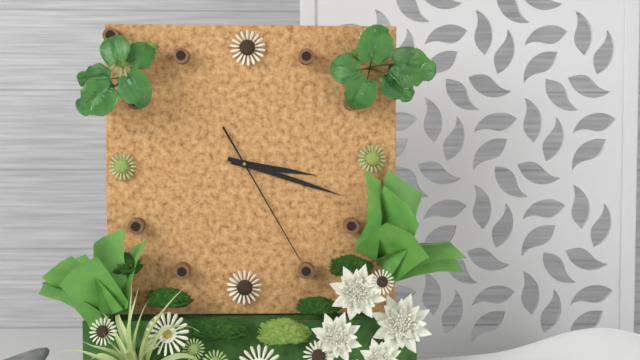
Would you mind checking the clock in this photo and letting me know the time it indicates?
3:18:25
